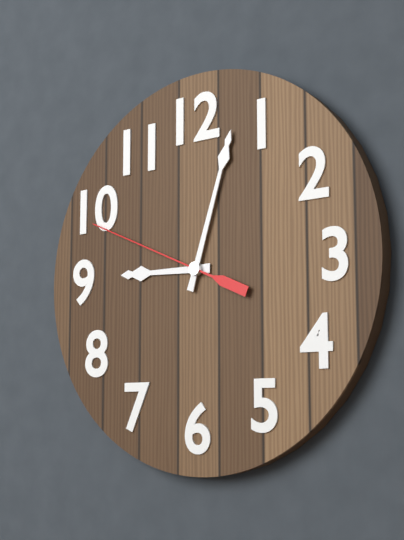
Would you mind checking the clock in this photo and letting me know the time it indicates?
9:03:49
